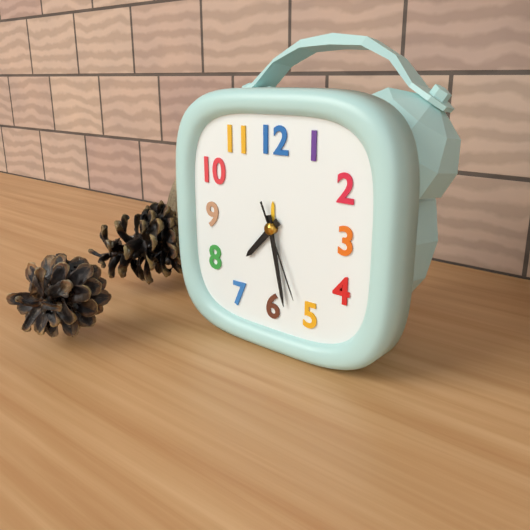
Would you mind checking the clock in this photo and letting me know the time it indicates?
7:28:26
